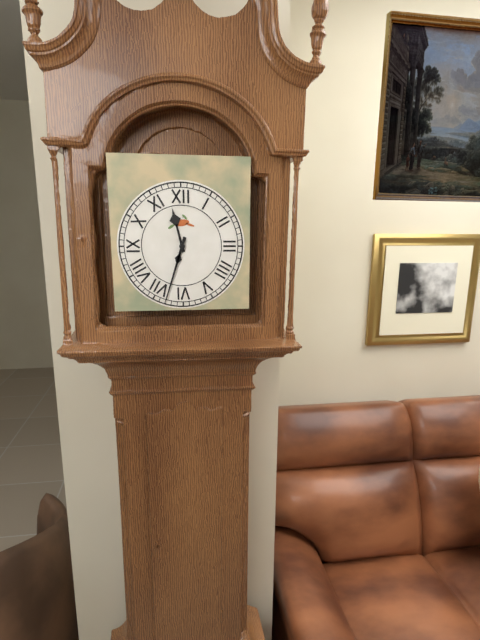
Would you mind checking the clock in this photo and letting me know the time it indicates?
11:33
